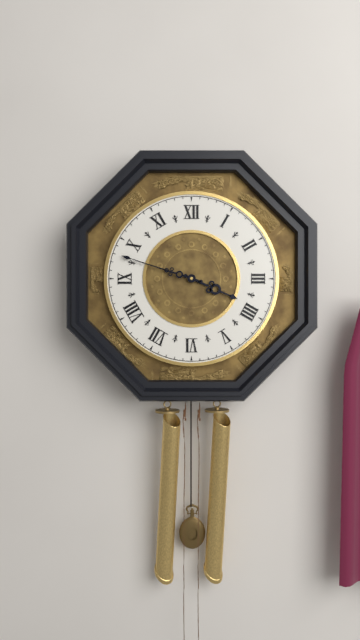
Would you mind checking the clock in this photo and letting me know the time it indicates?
3:48
